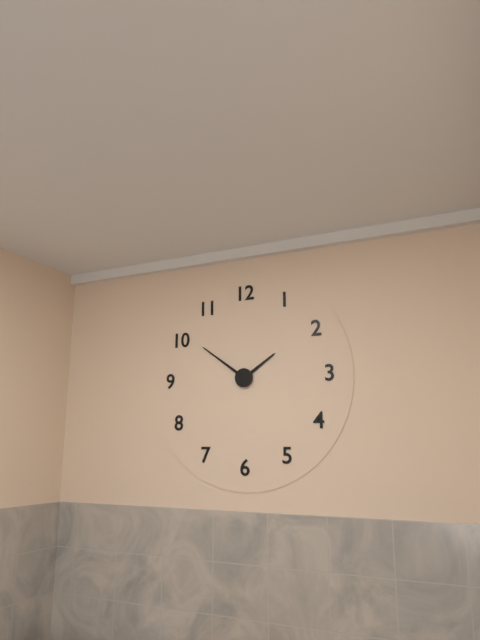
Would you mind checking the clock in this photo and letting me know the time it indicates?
1:51
